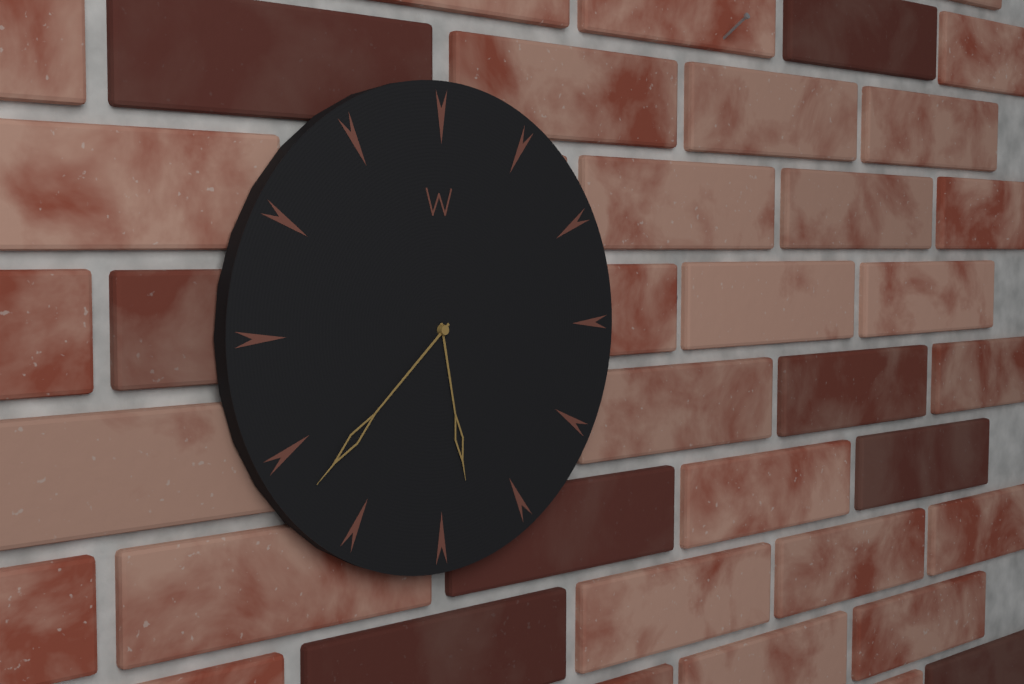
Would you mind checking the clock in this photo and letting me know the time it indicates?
5:38
